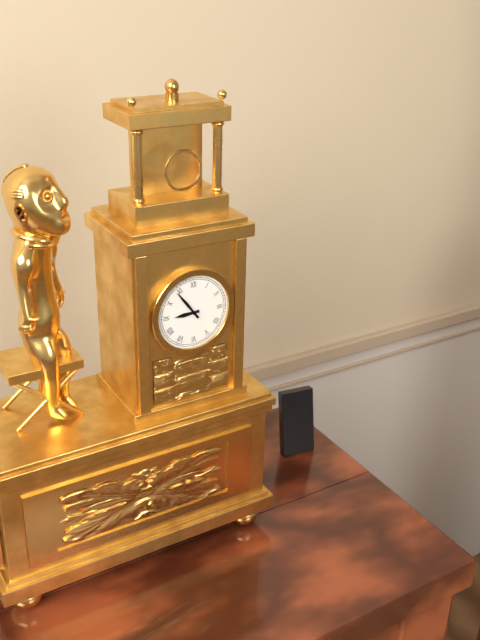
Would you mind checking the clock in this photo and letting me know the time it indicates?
8:54
